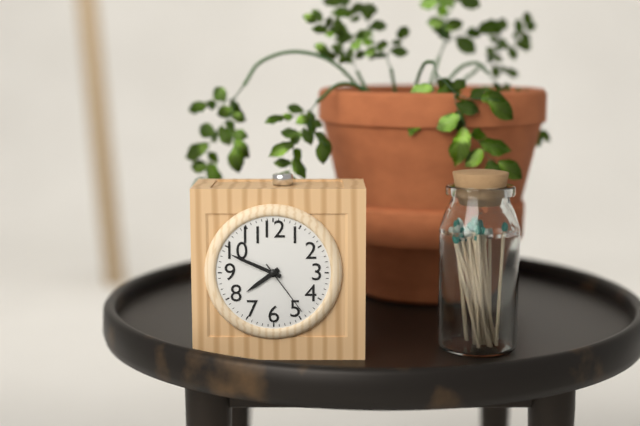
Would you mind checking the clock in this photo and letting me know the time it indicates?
7:49:24
